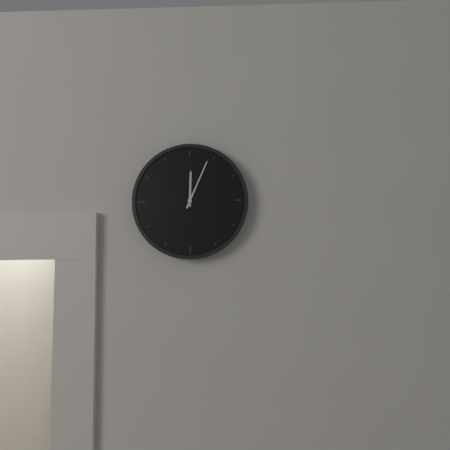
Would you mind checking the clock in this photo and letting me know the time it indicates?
12:04
